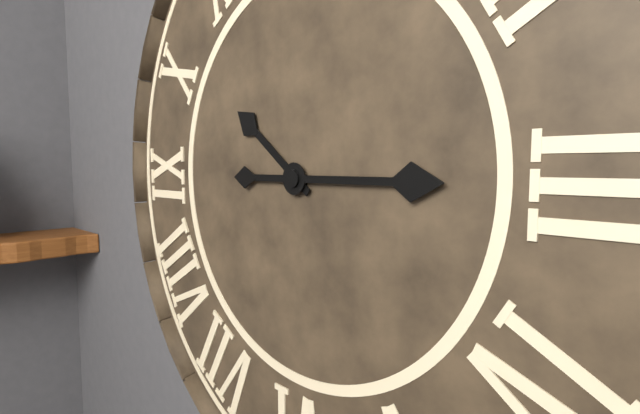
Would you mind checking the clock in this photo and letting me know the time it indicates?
10:15
